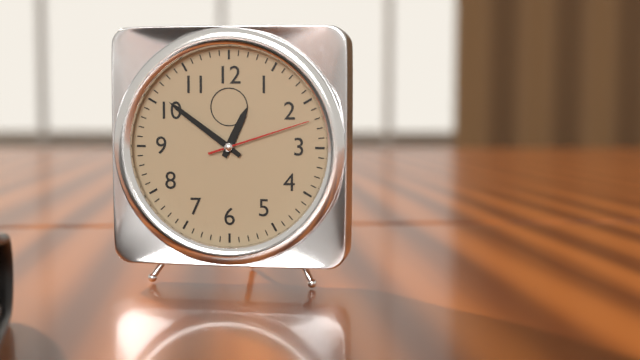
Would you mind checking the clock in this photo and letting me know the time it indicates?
12:51:12
